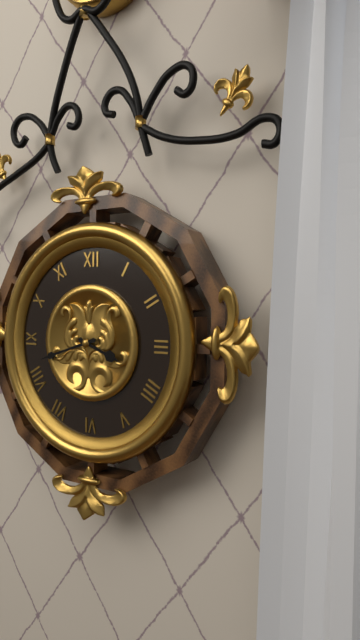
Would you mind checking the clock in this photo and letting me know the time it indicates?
3:42
